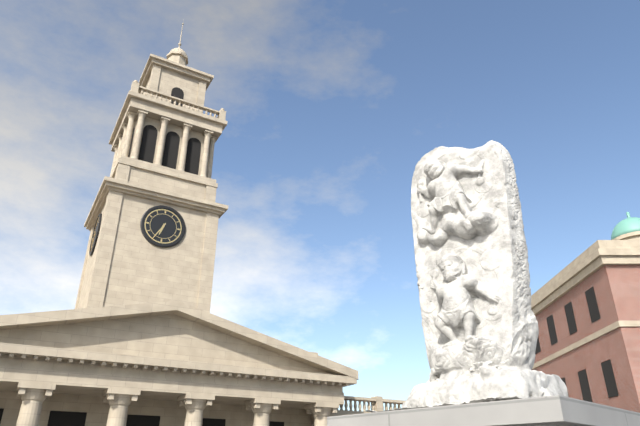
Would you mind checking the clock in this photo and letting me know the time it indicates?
6:35
